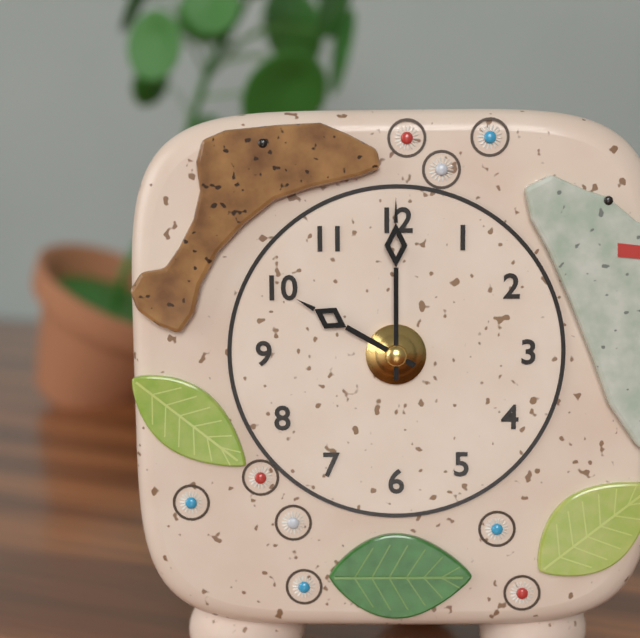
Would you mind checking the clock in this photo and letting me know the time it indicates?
10:00
